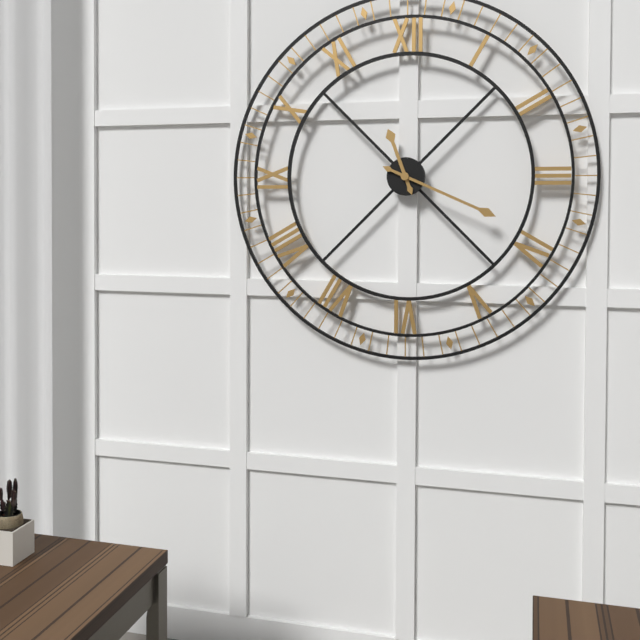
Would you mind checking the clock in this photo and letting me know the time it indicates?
11:19
